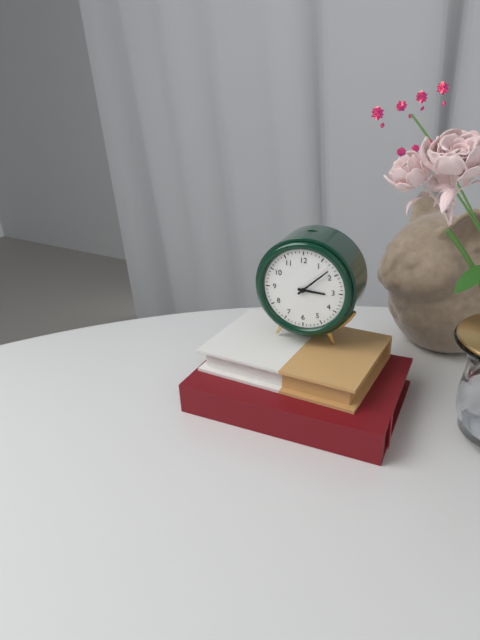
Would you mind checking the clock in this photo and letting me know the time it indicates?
3:08
